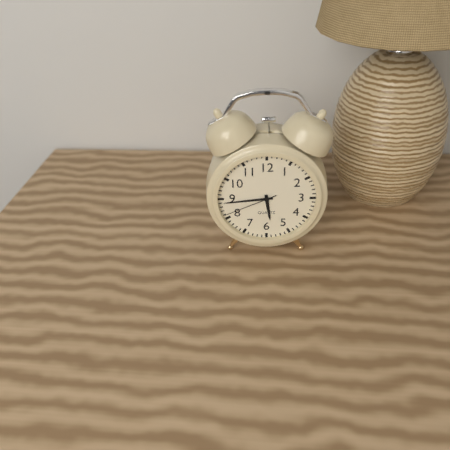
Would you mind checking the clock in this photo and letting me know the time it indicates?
5:44:41
